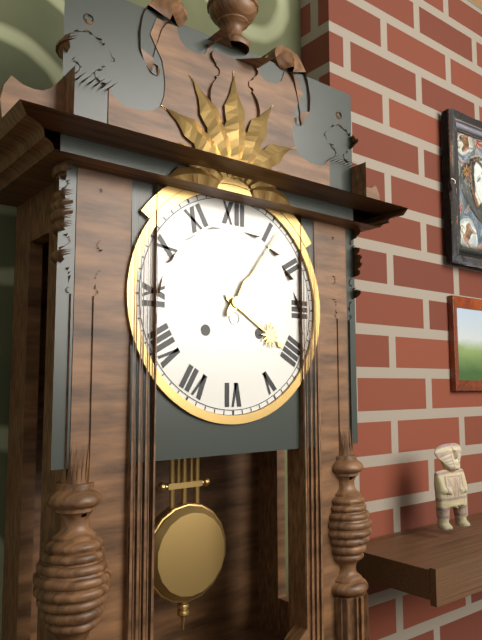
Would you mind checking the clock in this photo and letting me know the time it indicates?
4:06
